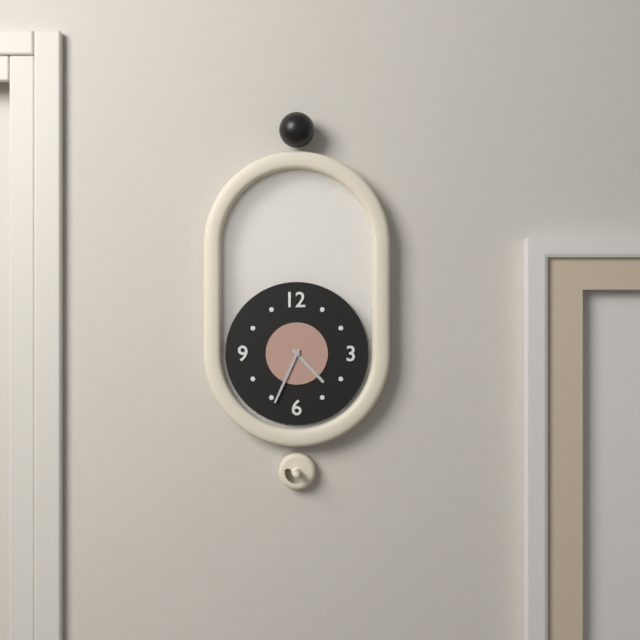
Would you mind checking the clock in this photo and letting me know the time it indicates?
4:34
